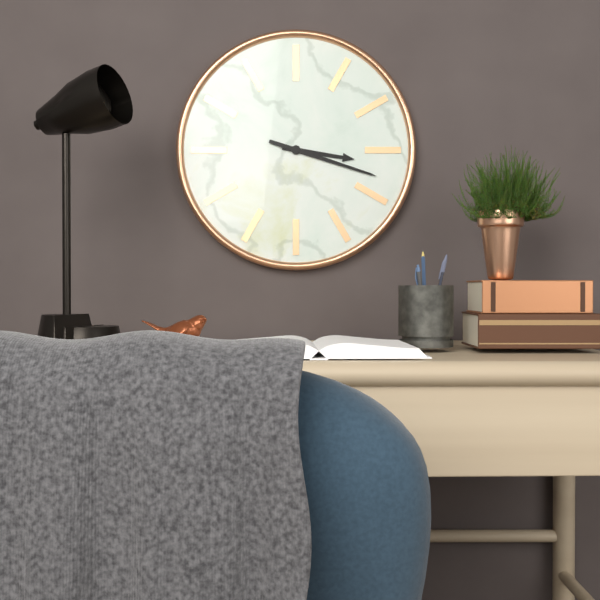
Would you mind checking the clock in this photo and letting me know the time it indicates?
3:18
